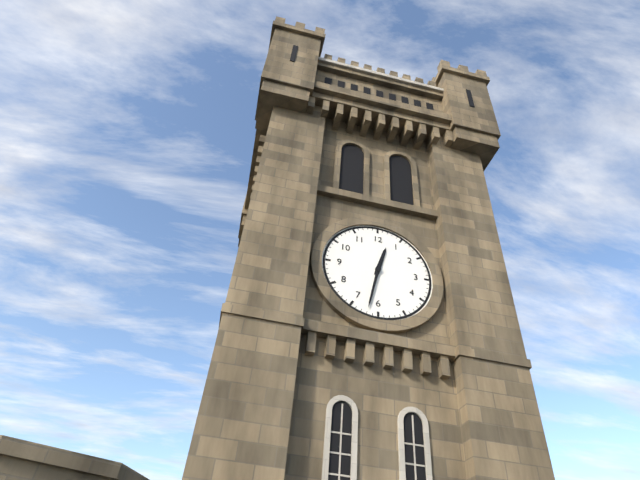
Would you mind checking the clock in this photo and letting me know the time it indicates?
12:32
